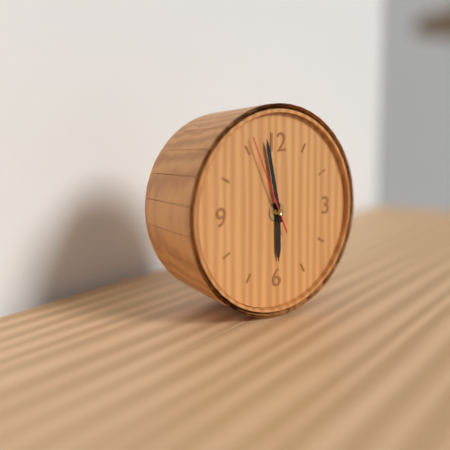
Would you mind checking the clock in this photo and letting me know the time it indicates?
5:58:56
